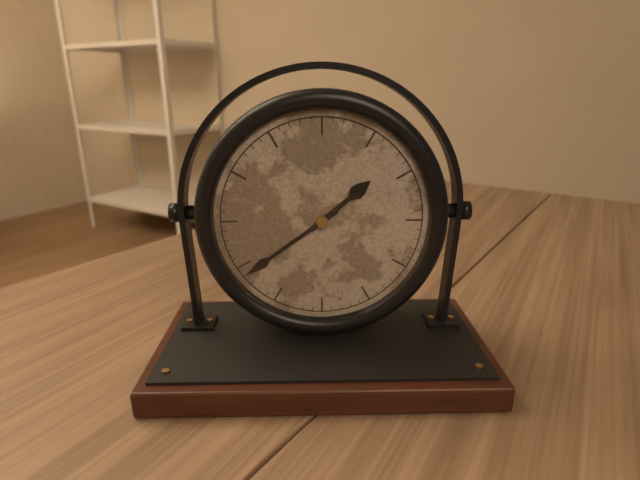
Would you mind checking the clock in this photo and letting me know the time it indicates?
1:39
